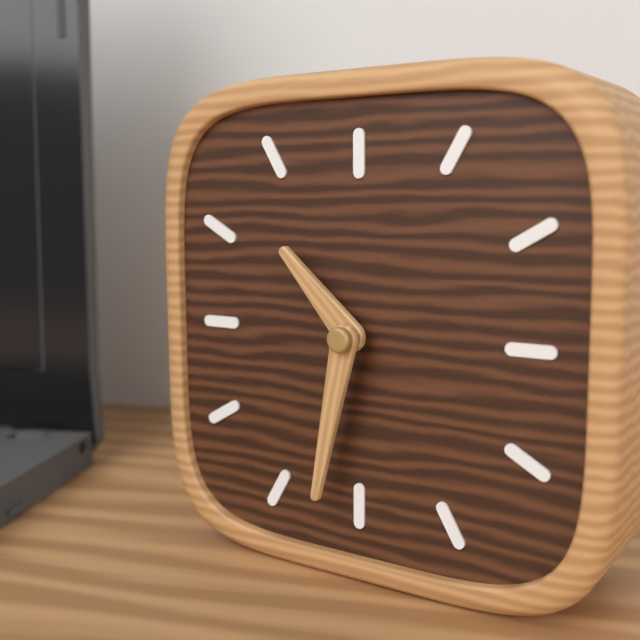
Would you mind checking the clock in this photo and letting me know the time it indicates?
10:32
